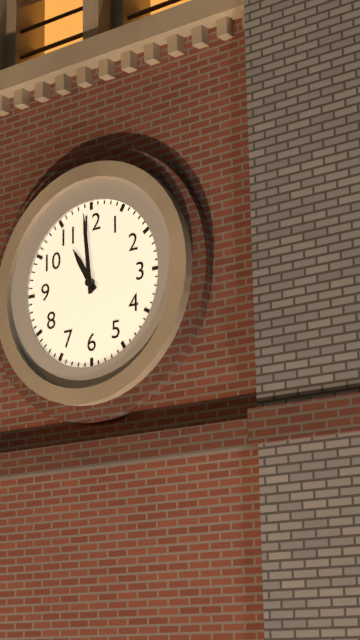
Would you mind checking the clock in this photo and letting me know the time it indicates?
10:59
